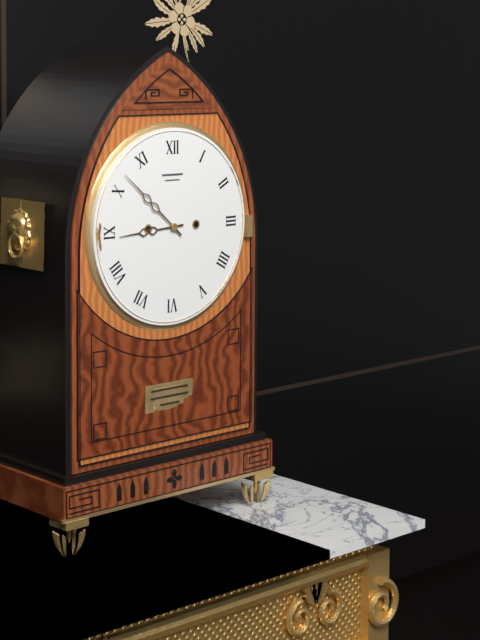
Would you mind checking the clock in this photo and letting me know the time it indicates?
8:52
